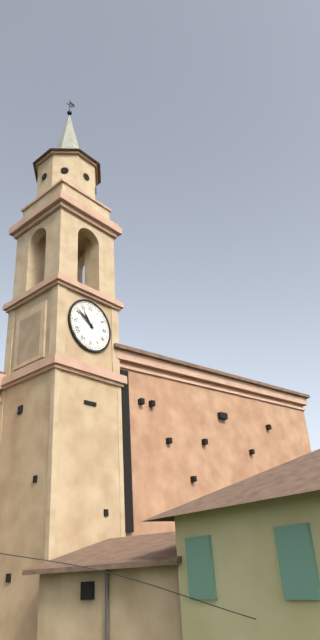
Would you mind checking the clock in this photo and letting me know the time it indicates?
10:51
